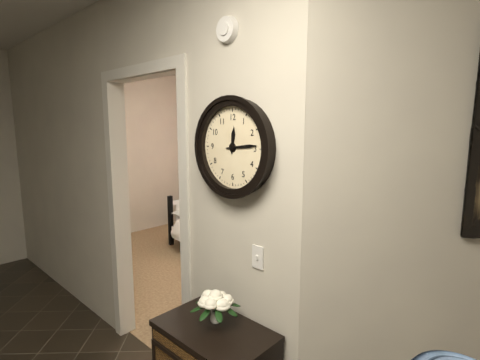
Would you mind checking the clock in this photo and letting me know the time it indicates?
12:14
